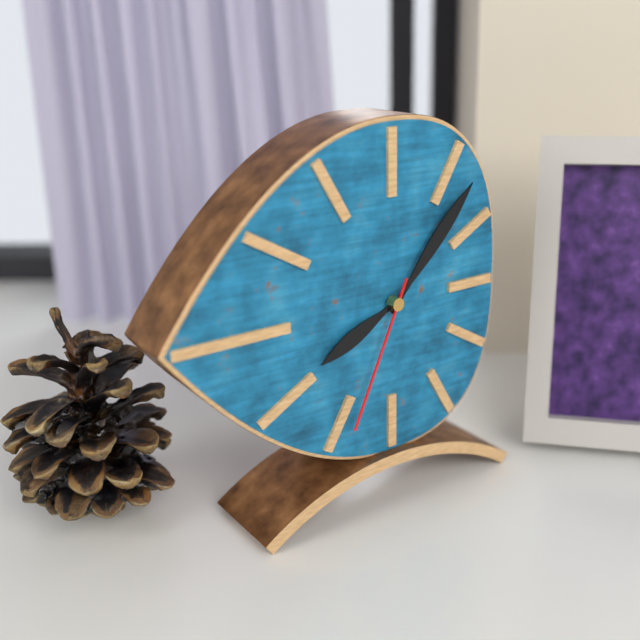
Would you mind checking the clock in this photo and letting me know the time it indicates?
8:07:34
